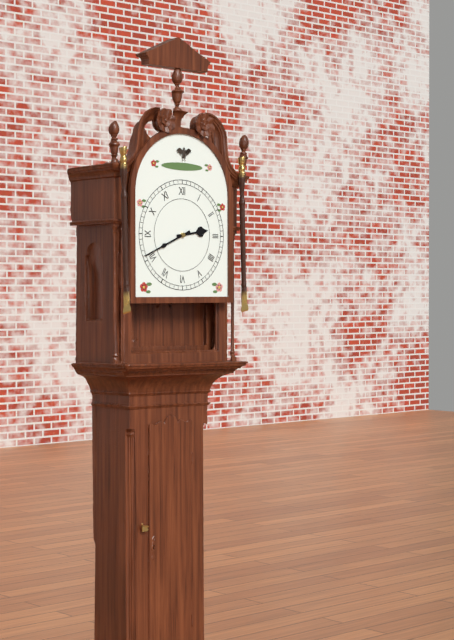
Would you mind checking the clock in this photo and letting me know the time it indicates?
2:41
